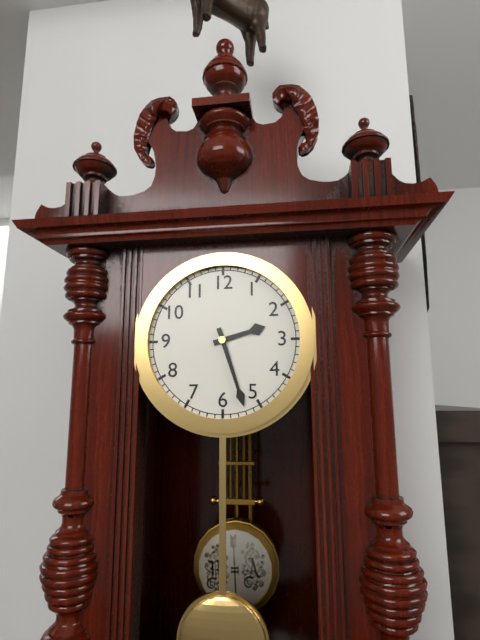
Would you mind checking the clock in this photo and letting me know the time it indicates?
2:27
